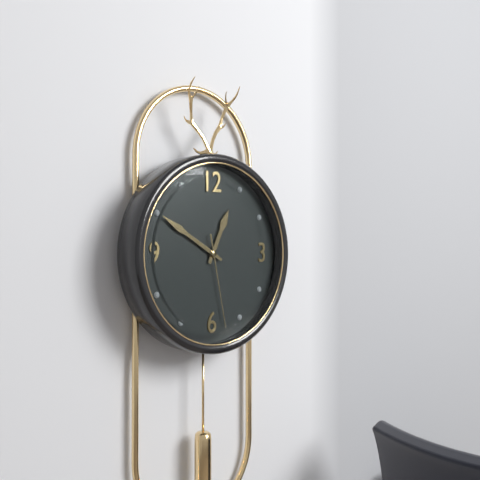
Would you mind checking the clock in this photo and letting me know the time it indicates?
12:50:28
